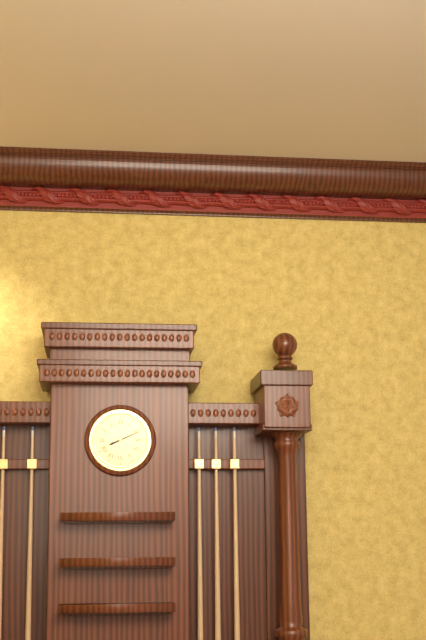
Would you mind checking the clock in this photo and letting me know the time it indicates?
8:11
